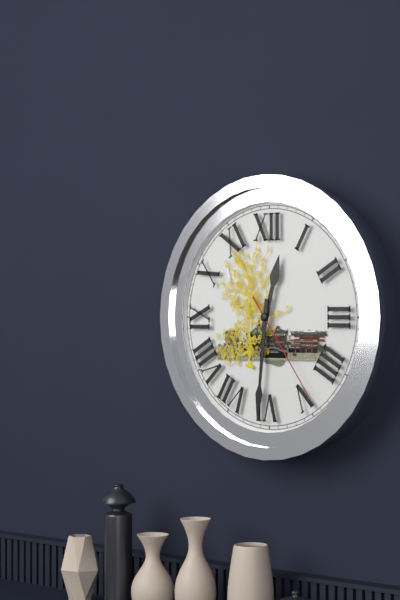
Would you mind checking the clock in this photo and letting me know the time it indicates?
12:31:24
